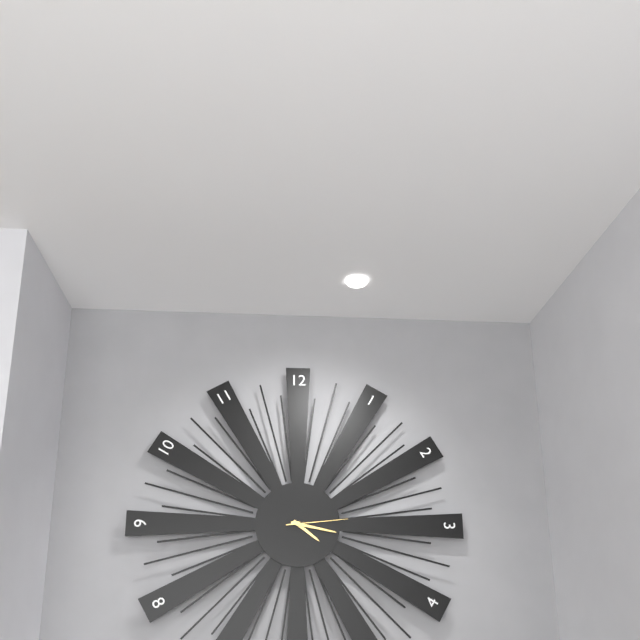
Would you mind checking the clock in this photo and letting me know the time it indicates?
4:17:14
